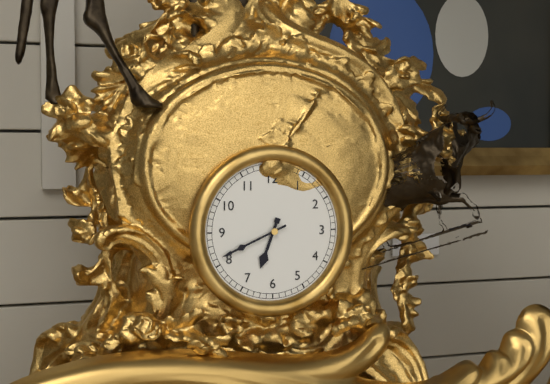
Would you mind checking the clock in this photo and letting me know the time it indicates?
6:41
